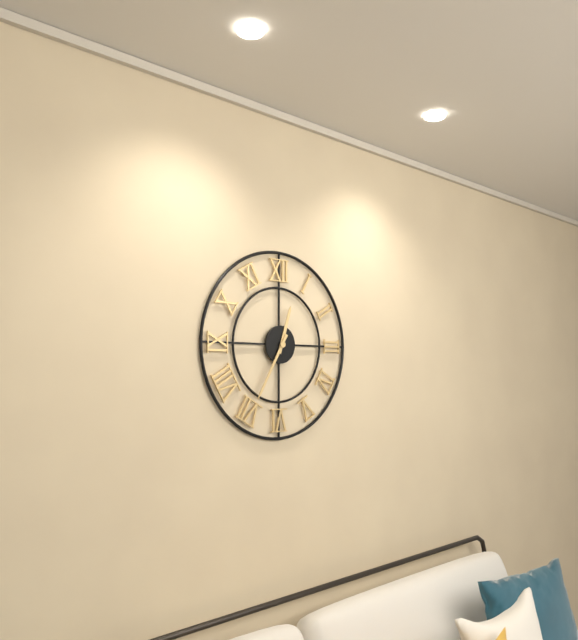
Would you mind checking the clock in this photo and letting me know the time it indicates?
12:35
